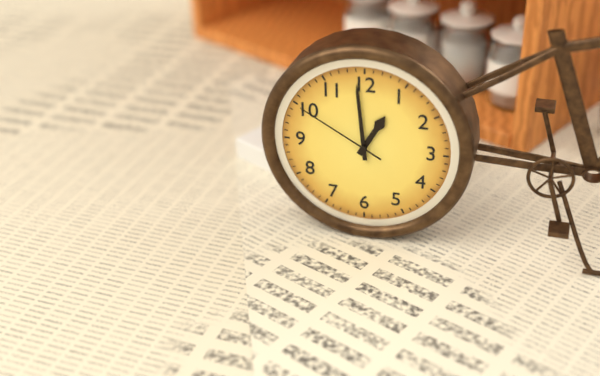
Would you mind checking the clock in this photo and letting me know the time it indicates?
12:59:50
